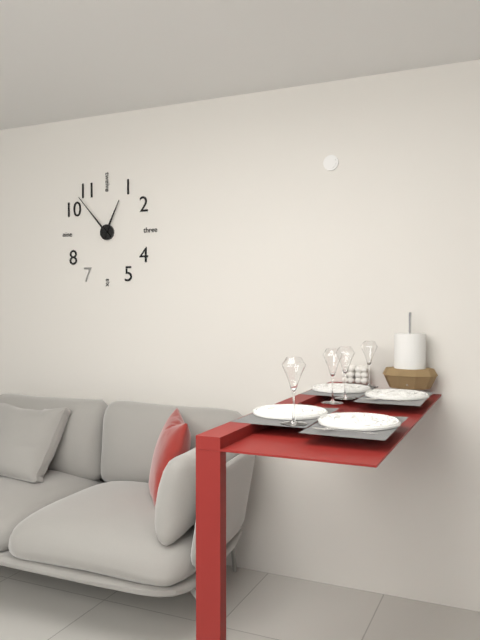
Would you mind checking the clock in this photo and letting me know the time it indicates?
12:53
